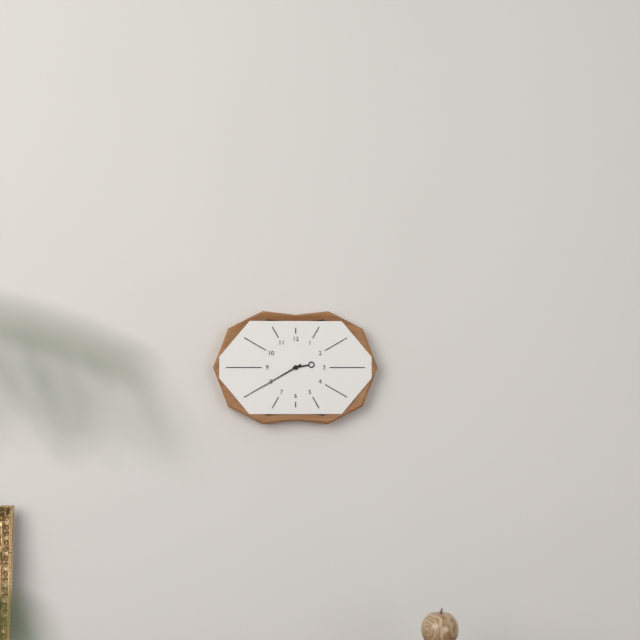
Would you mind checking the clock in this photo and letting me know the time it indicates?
2:40
